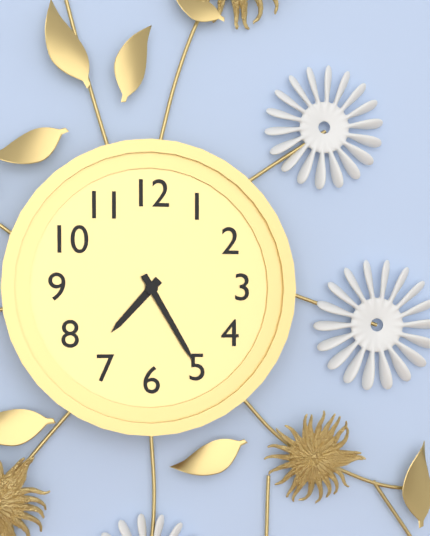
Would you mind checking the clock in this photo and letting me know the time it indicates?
7:25
